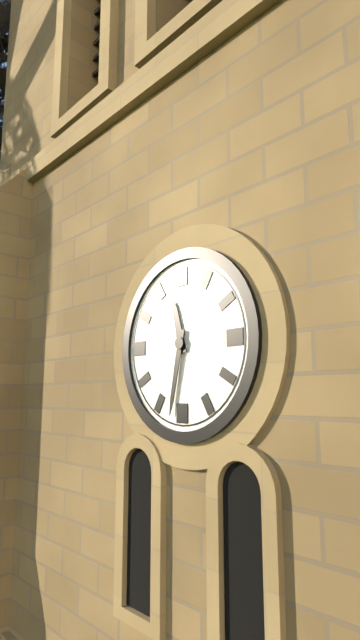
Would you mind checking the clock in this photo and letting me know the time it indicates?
11:32
